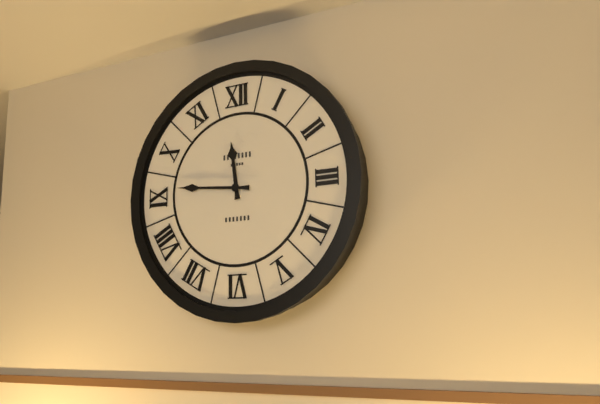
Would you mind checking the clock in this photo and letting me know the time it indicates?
11:46
